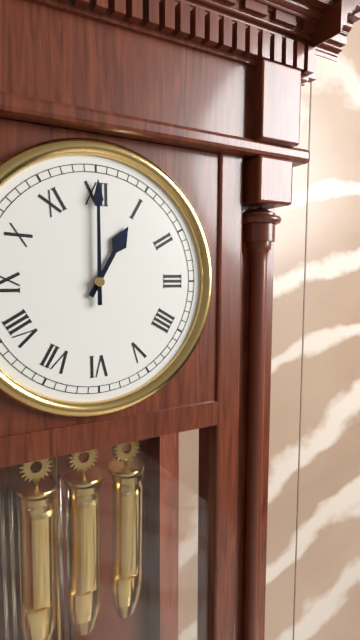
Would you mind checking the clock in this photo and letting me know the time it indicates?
1:00
